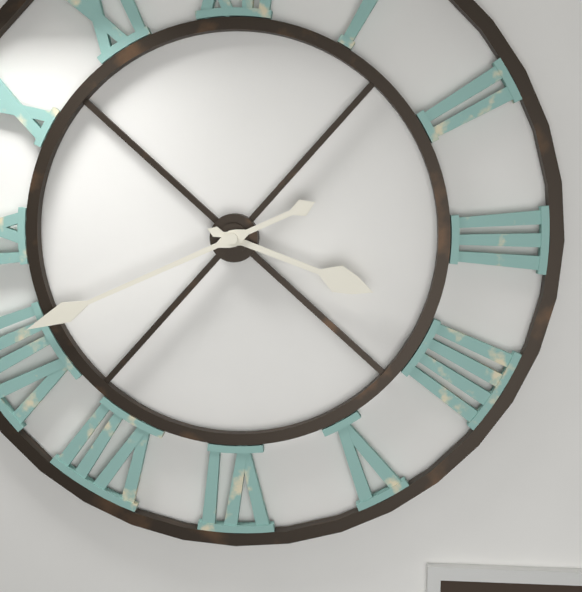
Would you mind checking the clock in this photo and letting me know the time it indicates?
3:41
